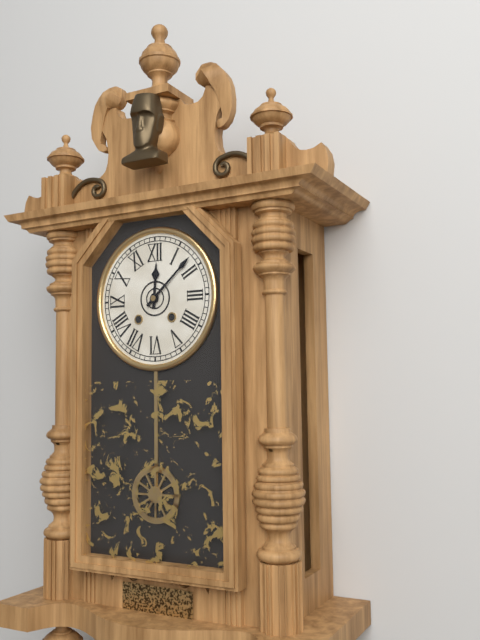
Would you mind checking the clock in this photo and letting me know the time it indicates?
12:08
